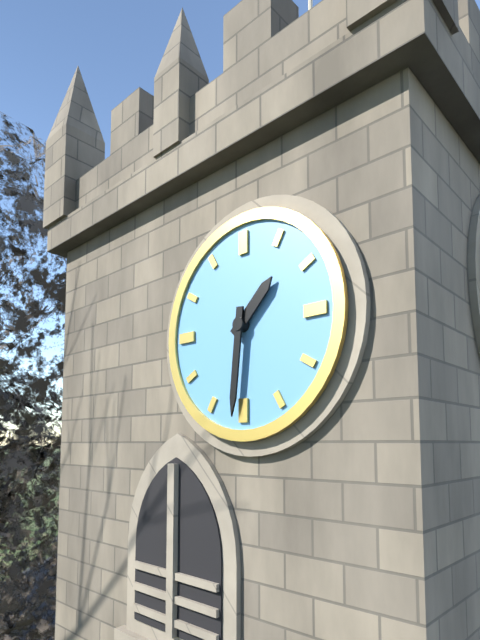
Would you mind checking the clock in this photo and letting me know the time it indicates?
1:31
